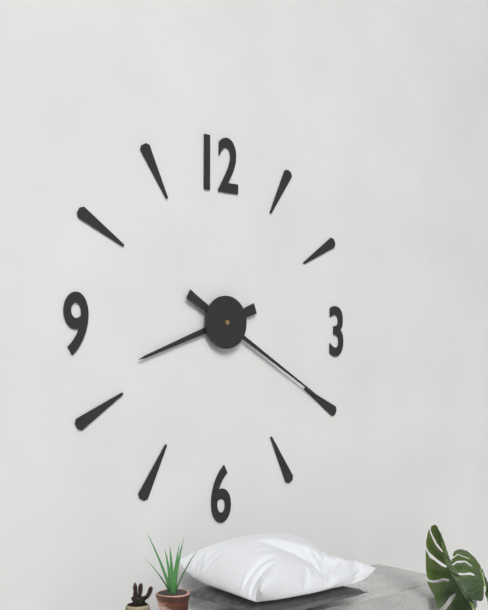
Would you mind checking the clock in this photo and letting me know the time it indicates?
8:20
